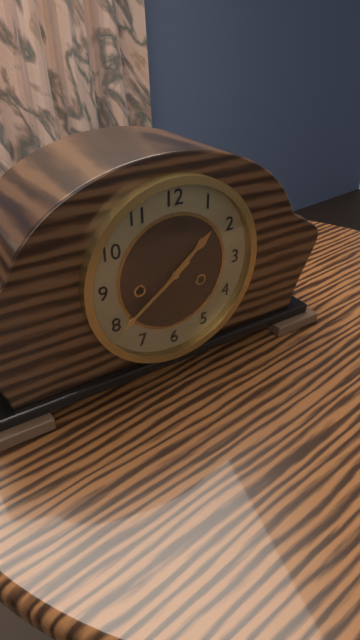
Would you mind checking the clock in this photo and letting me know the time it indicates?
1:39
